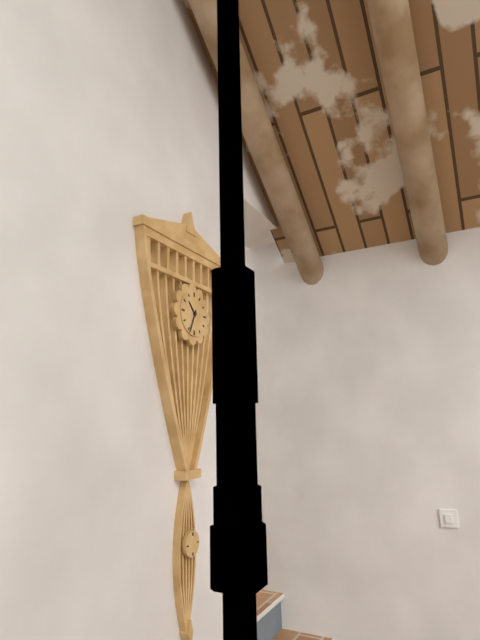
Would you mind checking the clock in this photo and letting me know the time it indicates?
10:34
